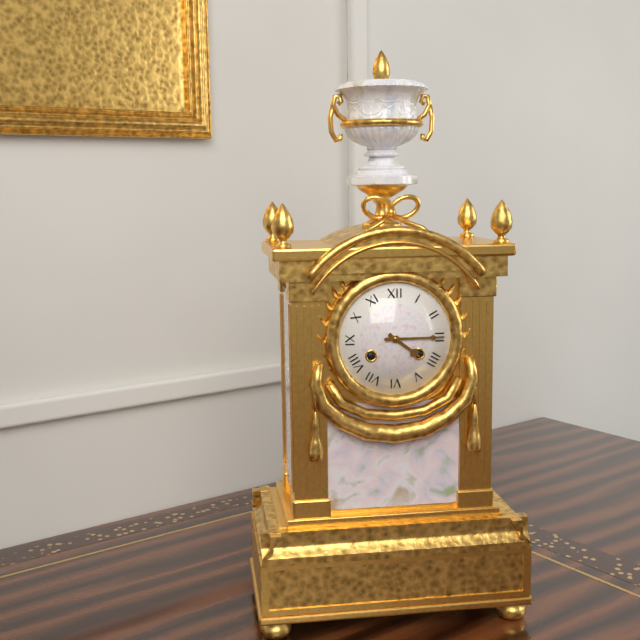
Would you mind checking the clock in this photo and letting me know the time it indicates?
4:15
